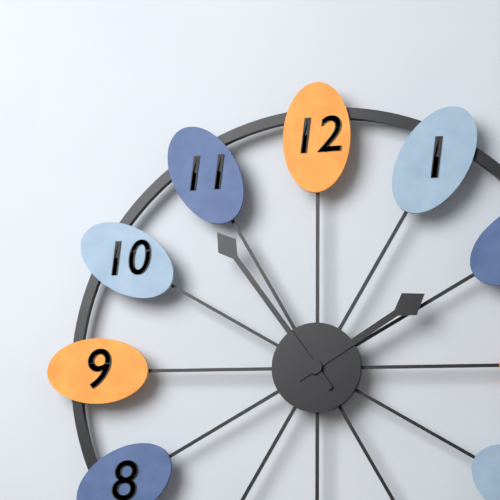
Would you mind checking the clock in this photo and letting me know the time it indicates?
1:54
